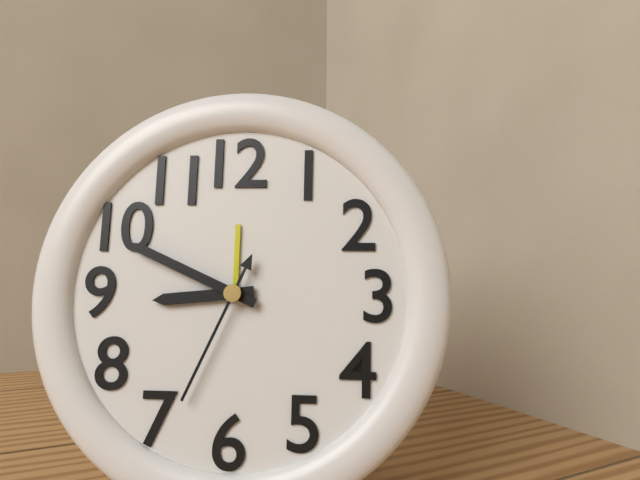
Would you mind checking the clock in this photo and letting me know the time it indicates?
8:49:34
